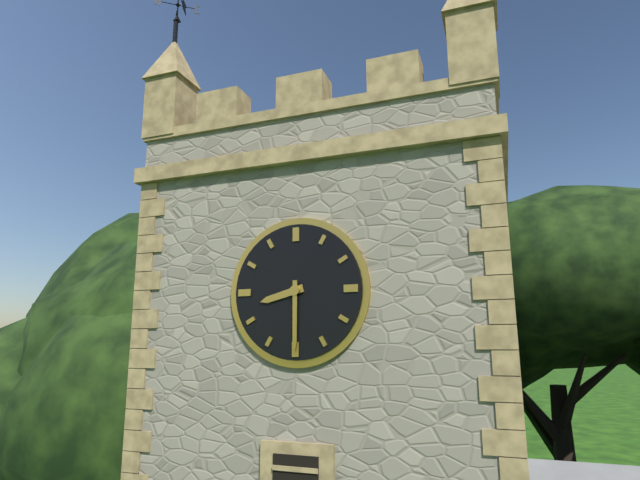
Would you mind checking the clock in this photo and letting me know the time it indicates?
8:30
